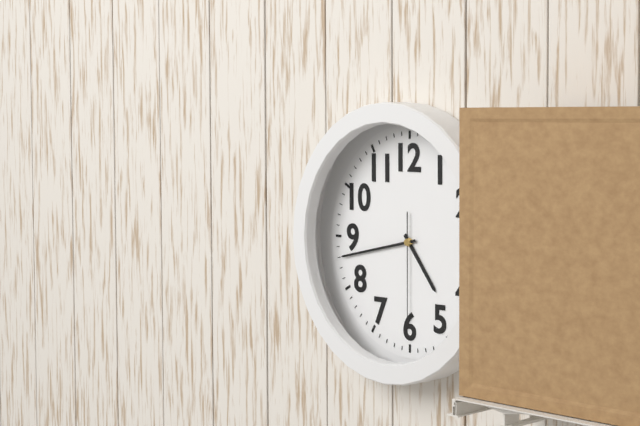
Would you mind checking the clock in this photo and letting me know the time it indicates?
4:43:30
